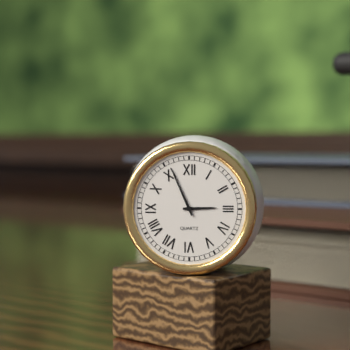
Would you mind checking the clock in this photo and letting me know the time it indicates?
2:56
